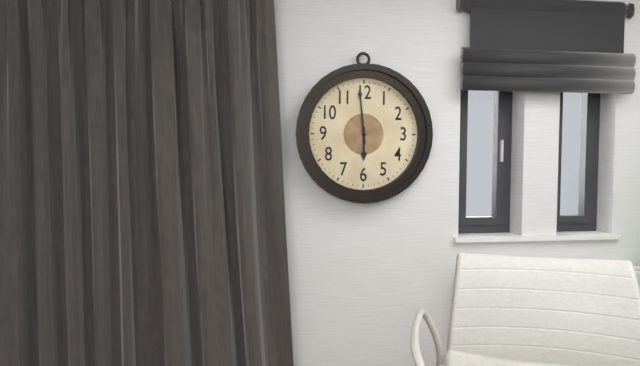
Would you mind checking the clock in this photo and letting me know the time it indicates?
5:59
